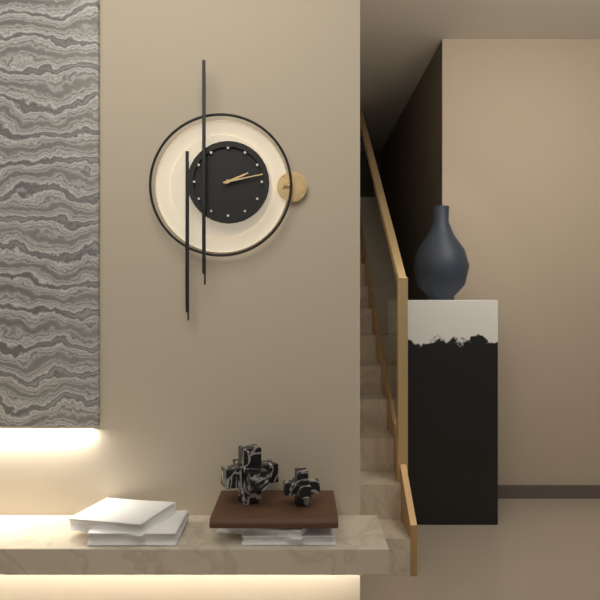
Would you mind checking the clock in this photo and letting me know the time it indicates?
2:13
